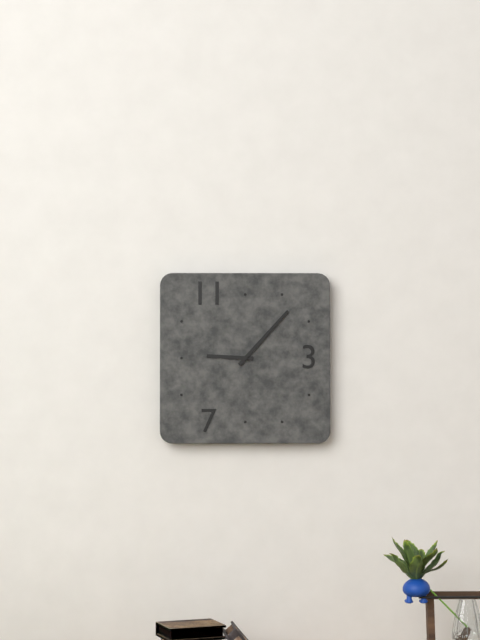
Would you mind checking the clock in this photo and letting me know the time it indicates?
9:07
